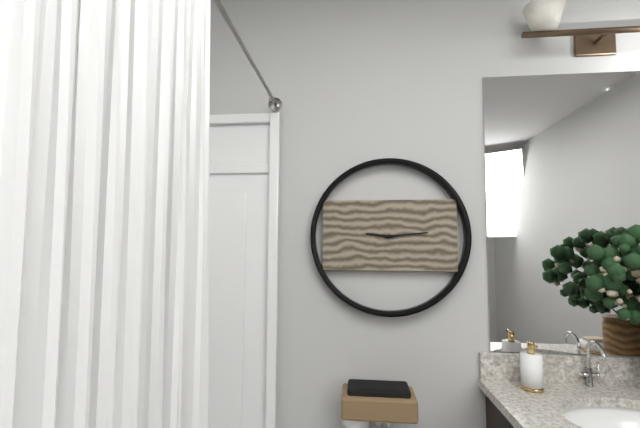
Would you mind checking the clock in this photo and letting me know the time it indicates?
9:14
